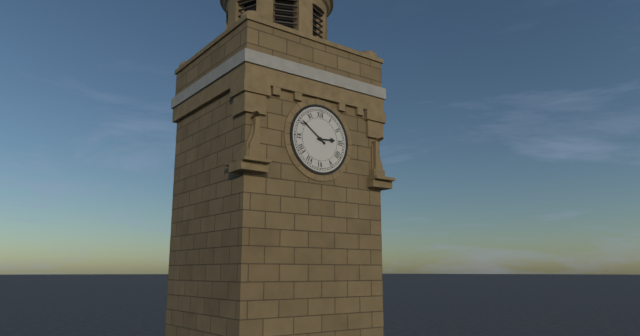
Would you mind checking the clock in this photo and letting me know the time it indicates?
2:51
